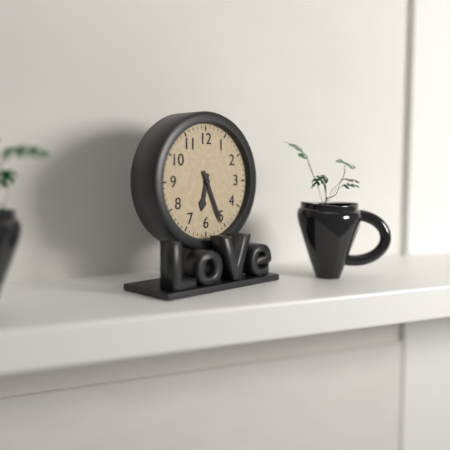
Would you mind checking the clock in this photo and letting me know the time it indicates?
6:26
